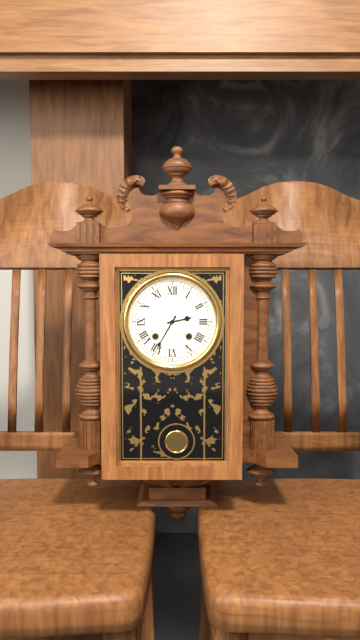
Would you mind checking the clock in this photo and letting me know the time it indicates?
2:35
